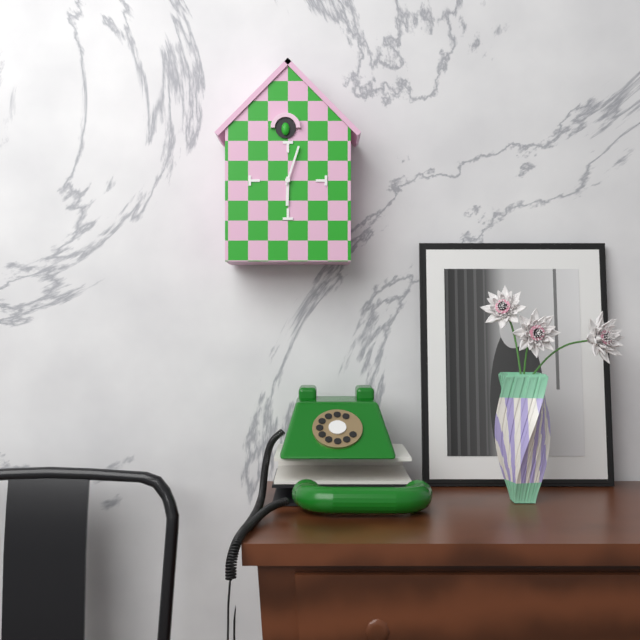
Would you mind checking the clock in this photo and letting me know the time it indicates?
6:03
